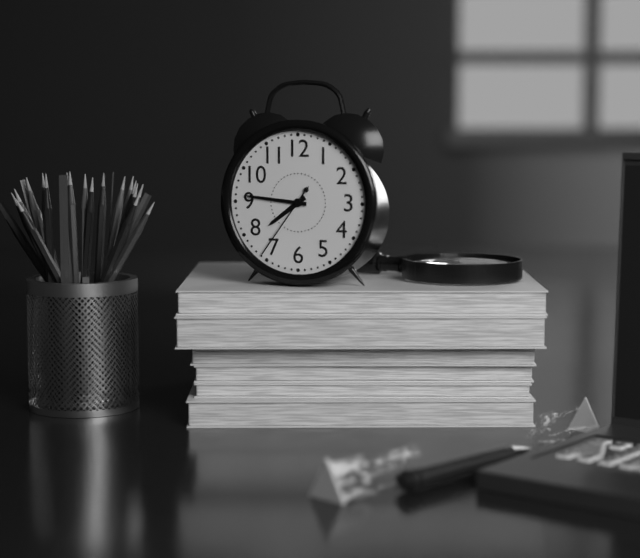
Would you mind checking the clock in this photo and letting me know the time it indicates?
7:46:36
